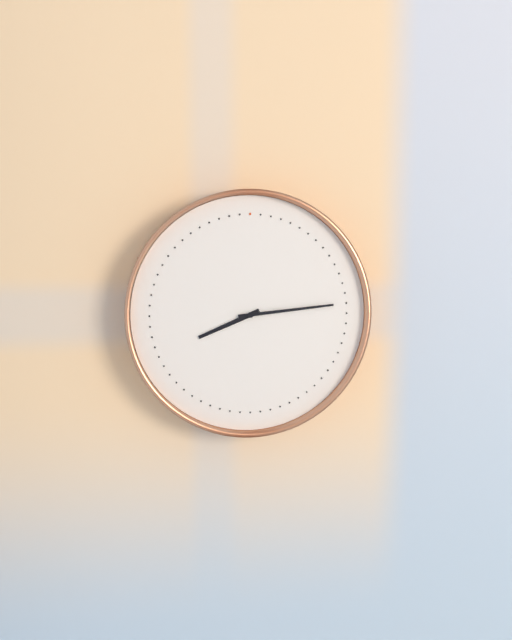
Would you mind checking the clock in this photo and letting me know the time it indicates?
8:14
